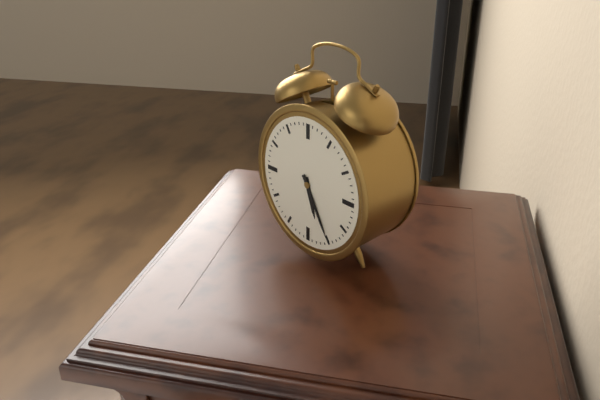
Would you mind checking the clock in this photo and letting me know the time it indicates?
5:25
